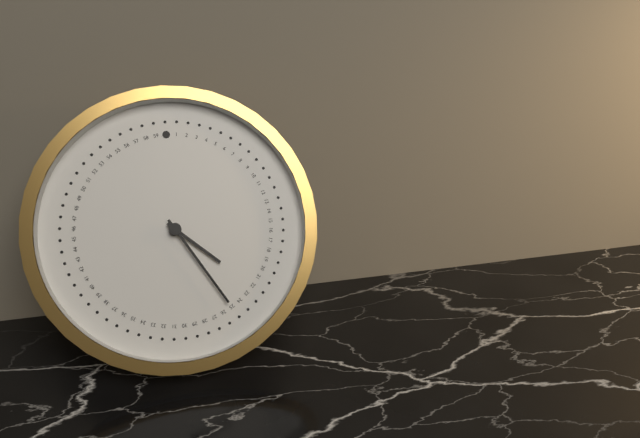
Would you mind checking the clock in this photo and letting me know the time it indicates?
4:25
